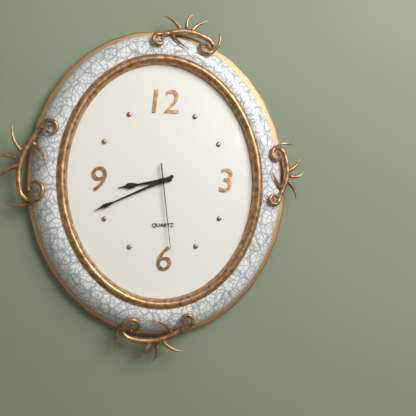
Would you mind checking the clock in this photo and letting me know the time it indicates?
8:41:29
